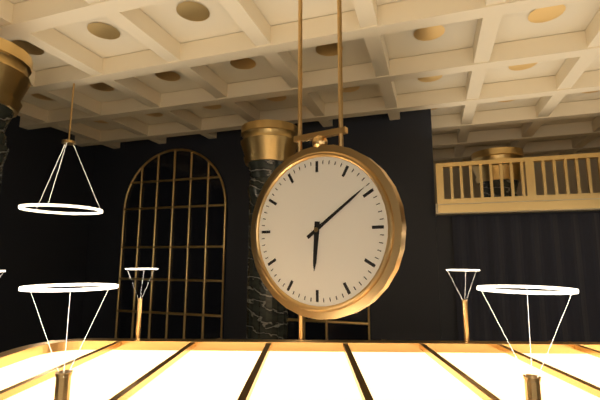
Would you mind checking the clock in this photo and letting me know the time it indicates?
6:09
